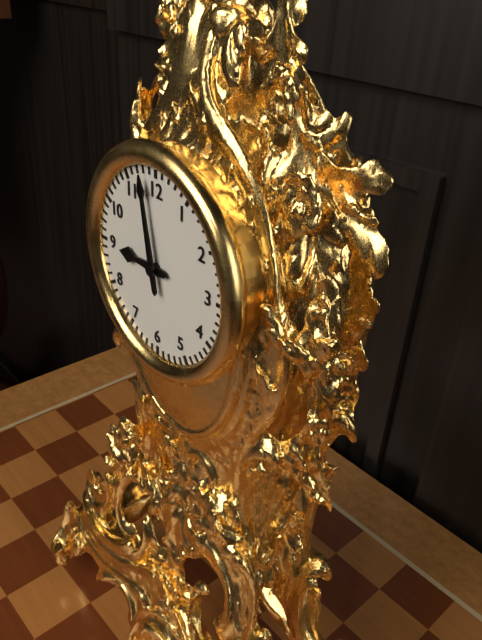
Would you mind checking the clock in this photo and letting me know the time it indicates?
8:58
